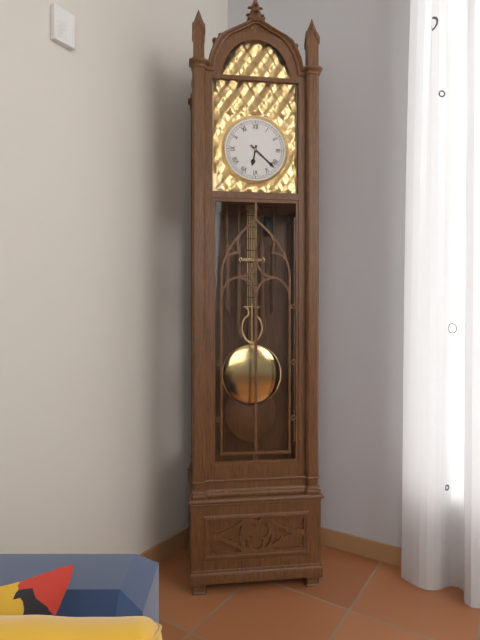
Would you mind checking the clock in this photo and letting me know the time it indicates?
6:22
